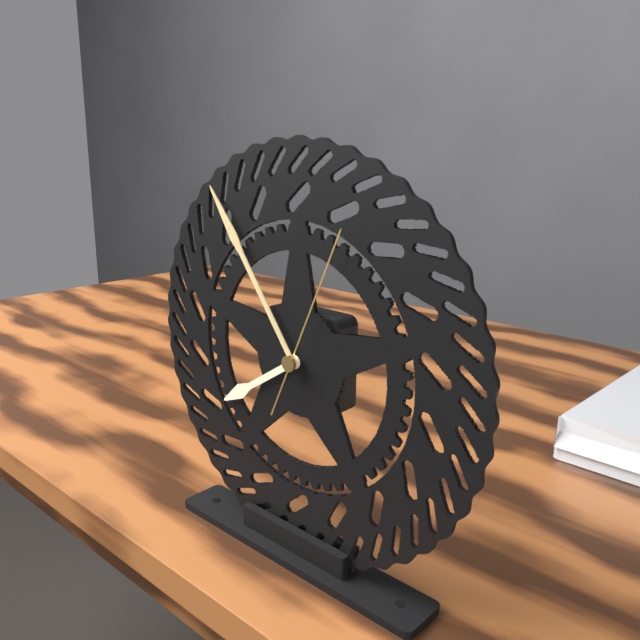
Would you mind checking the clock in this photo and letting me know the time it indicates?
7:54:04
